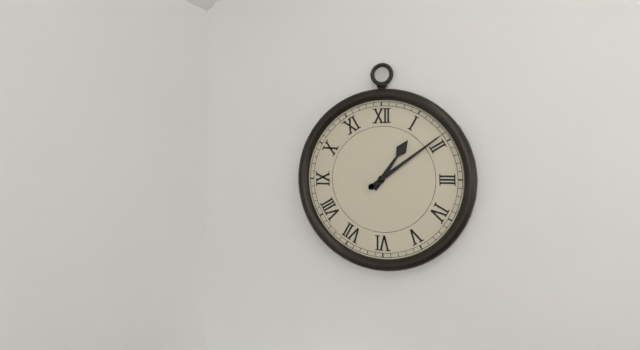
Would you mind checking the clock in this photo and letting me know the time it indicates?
1:09
